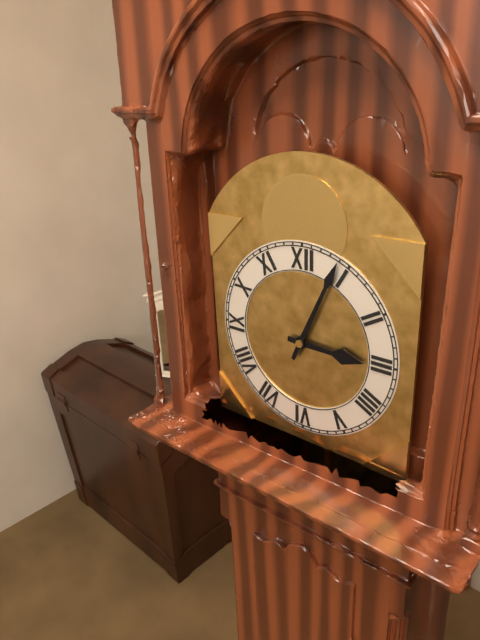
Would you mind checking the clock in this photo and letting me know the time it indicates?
3:04
